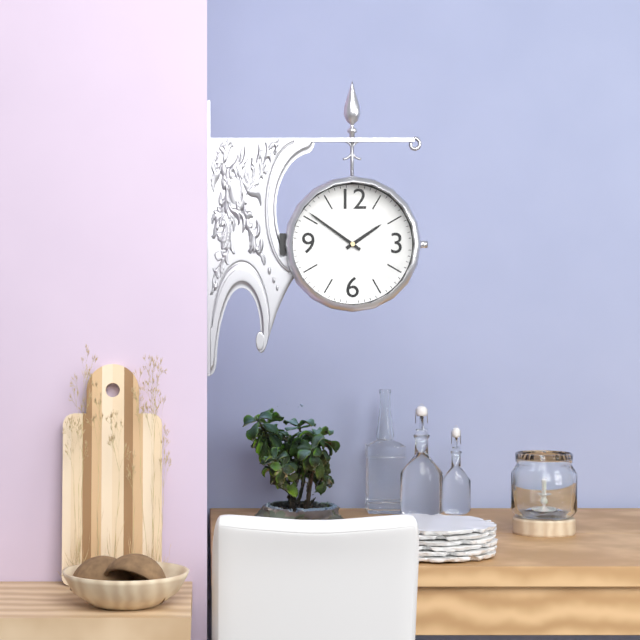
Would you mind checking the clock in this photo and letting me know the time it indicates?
1:51
